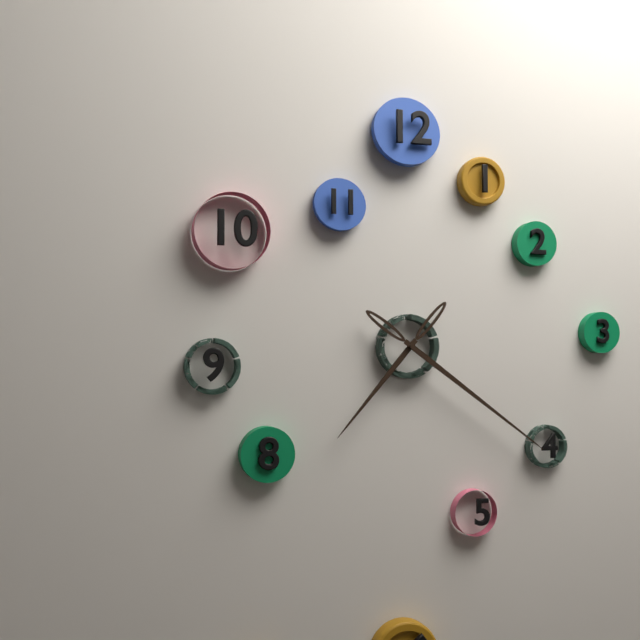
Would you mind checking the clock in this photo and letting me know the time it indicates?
7:21
